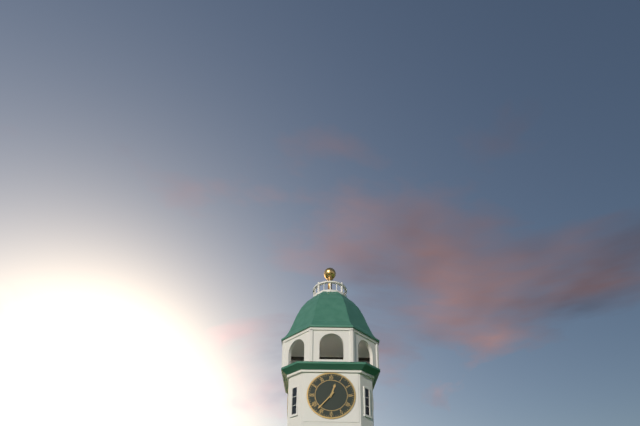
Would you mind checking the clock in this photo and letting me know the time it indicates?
12:37
